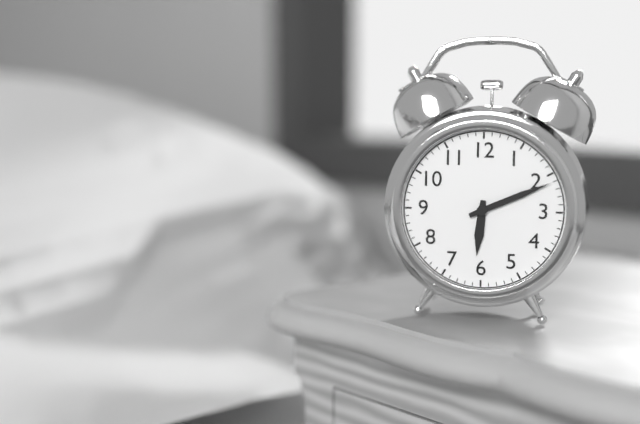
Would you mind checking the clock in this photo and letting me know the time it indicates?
6:11
